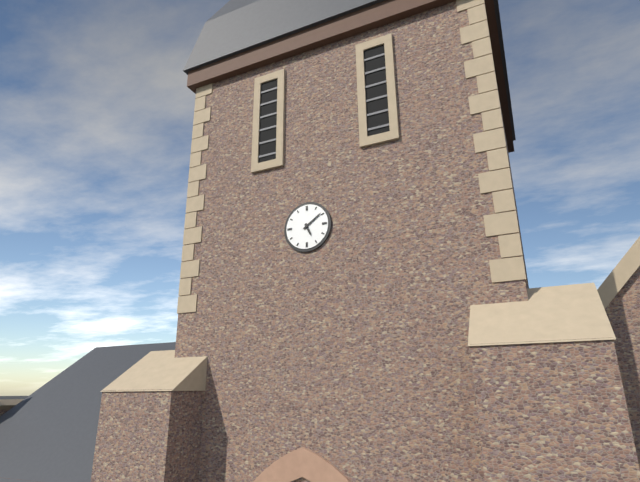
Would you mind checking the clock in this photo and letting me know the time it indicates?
5:09
